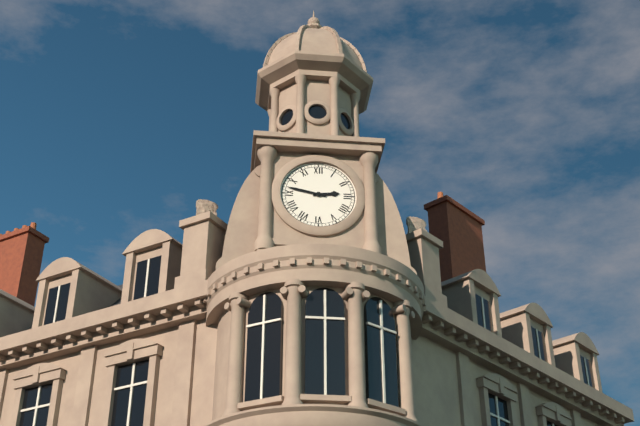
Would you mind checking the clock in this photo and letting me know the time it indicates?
2:47
